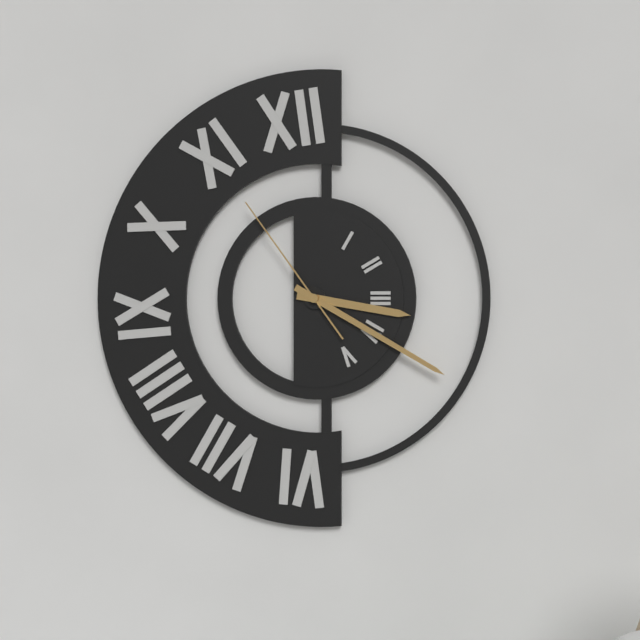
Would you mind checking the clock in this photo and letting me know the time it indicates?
3:20:54
